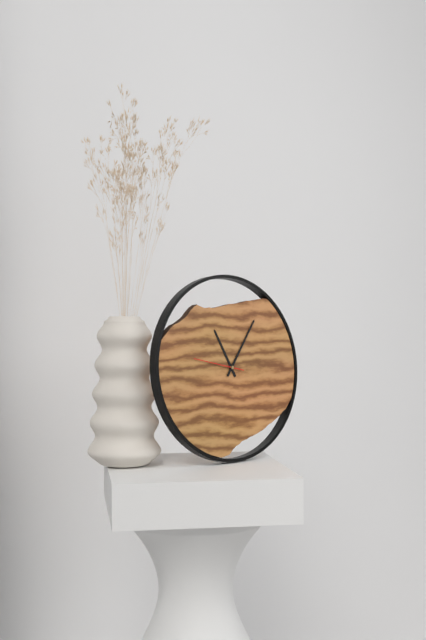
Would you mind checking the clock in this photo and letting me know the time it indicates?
11:06
